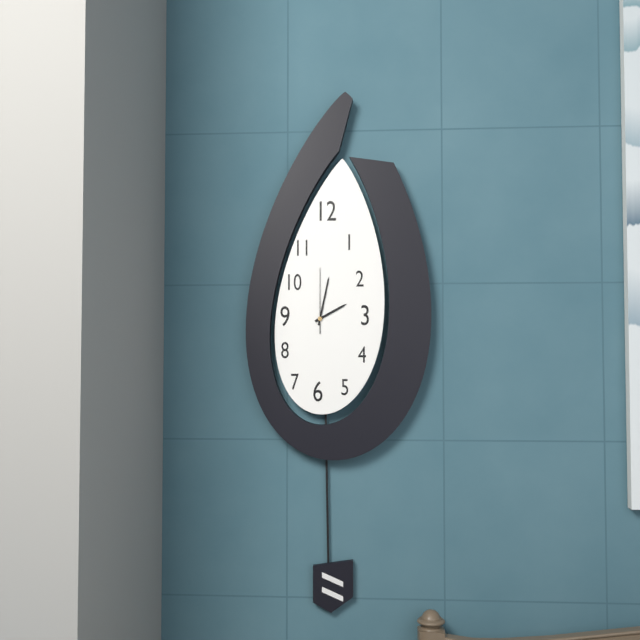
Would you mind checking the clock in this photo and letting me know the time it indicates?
2:02:00
